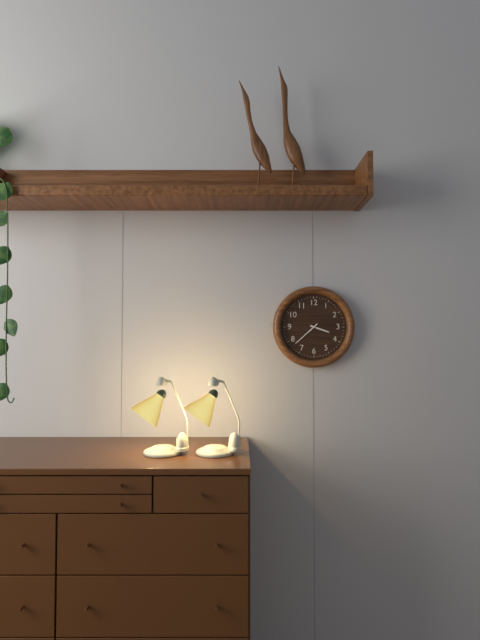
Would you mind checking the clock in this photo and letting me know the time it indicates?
3:38
